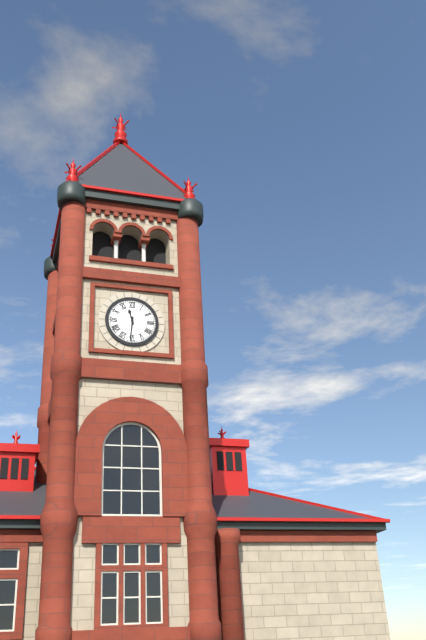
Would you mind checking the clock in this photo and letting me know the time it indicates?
11:31
